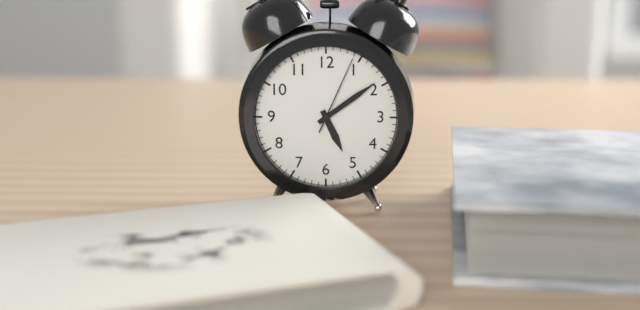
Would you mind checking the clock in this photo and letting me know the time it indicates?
5:09:04
